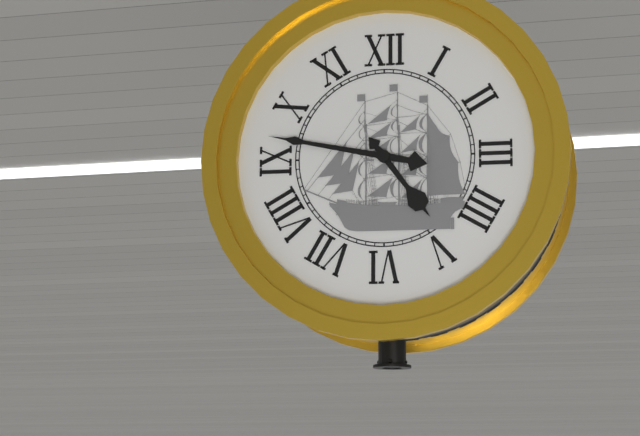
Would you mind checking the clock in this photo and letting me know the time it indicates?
4:47
